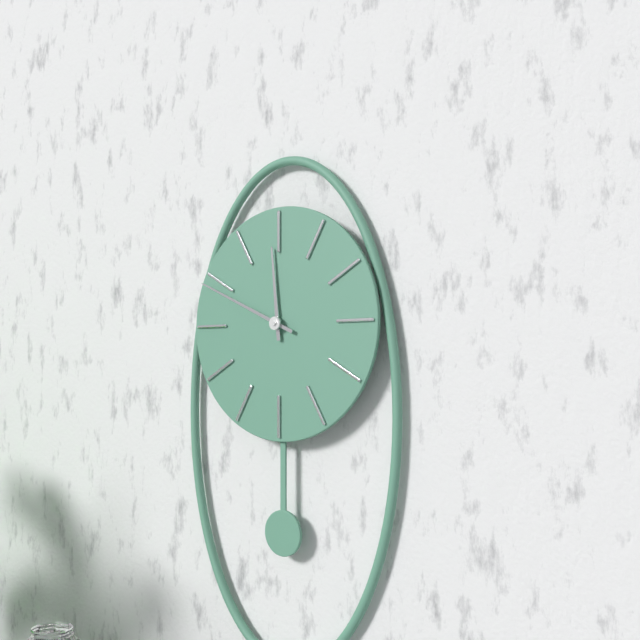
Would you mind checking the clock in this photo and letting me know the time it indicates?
11:49
